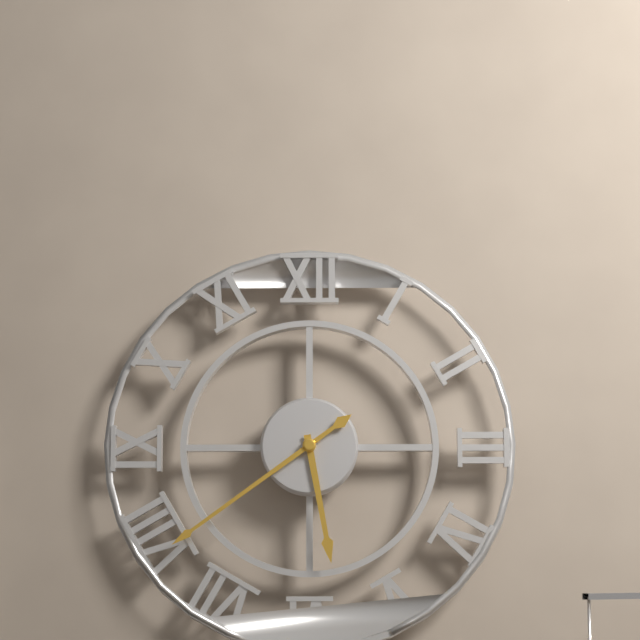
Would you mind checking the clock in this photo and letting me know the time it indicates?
5:39
